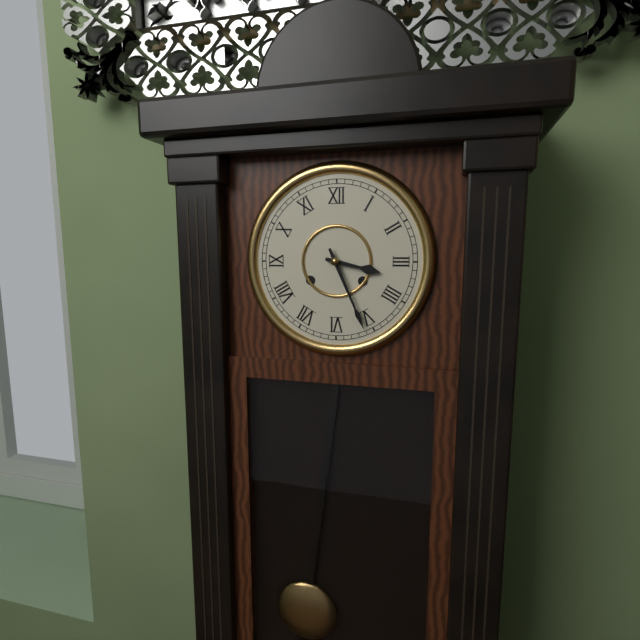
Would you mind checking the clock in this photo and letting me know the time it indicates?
3:26
